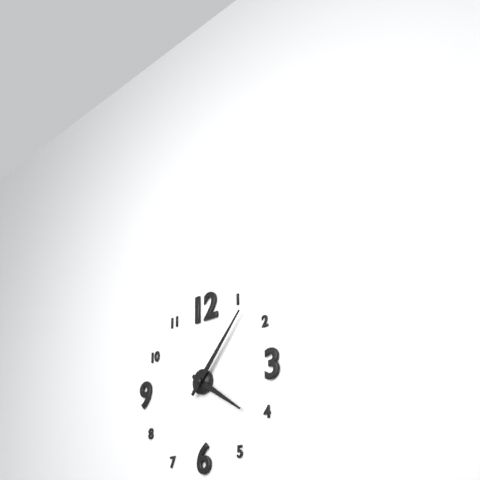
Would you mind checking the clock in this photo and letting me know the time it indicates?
4:07
